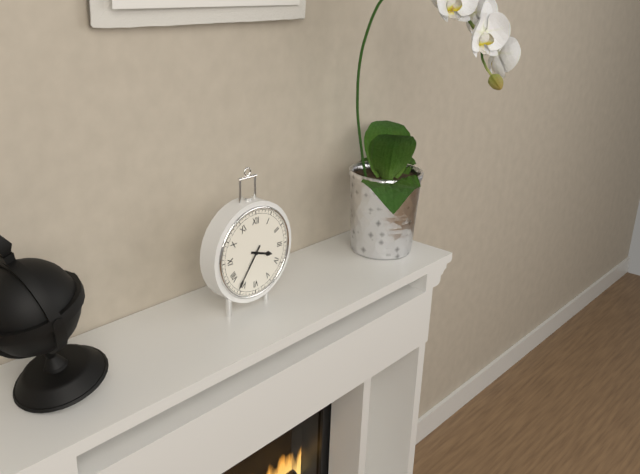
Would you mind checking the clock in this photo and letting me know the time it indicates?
3:36
